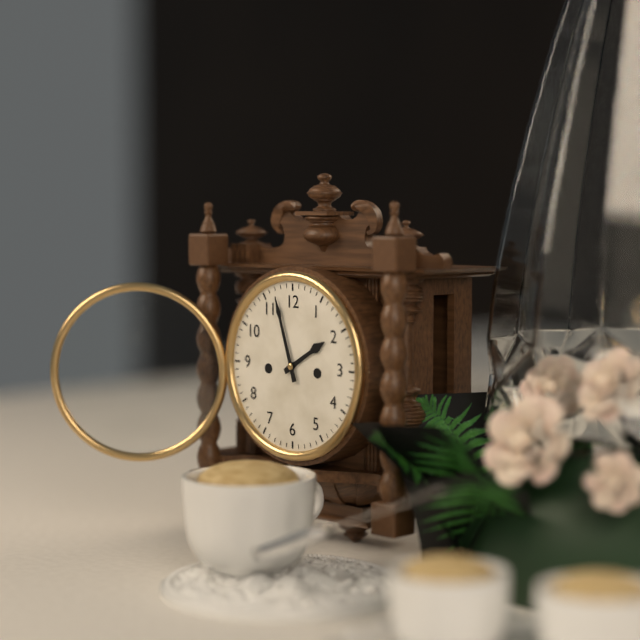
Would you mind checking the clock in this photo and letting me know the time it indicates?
1:57
